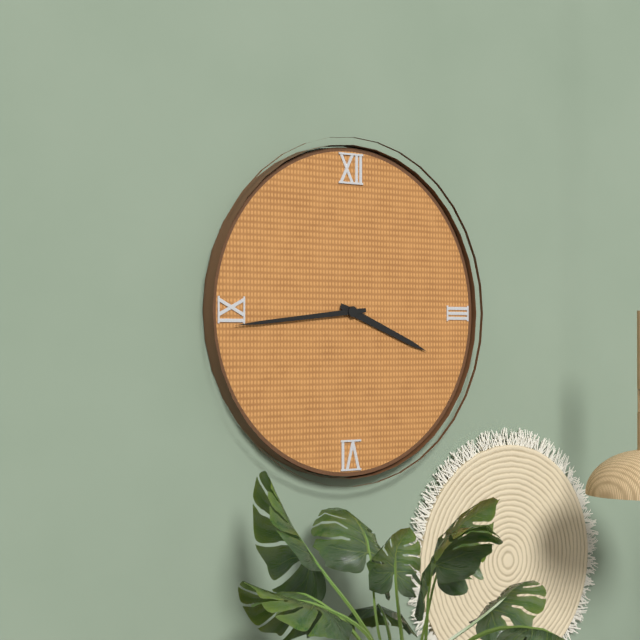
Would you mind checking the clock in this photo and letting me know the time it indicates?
3:44
